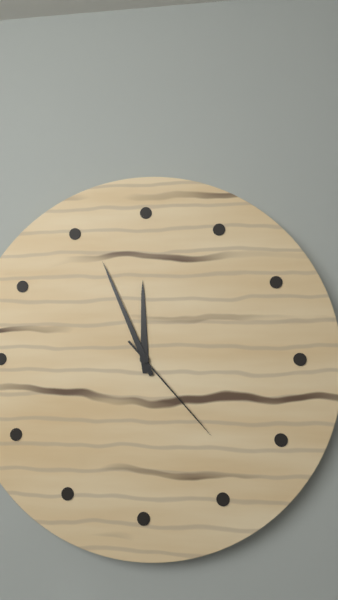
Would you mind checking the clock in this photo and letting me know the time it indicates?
11:56:23
